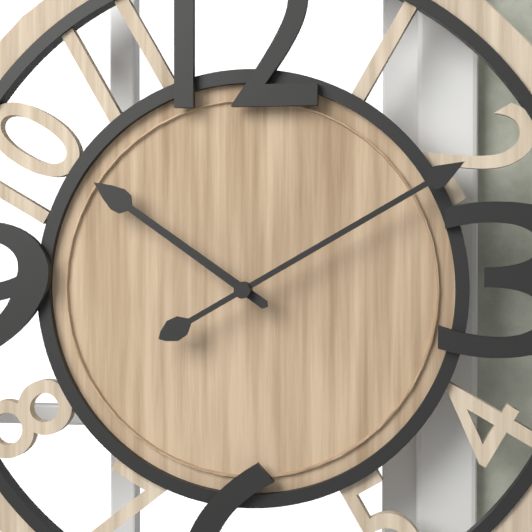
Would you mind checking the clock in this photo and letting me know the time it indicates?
10:10
